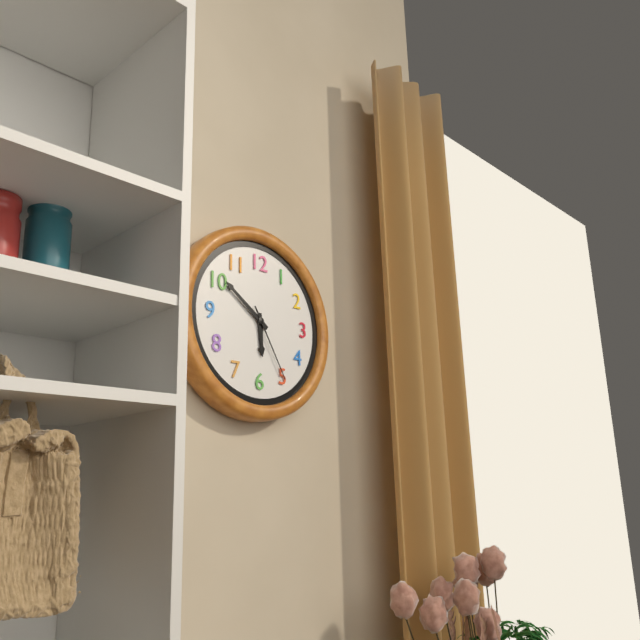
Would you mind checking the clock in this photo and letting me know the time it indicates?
5:51:25
